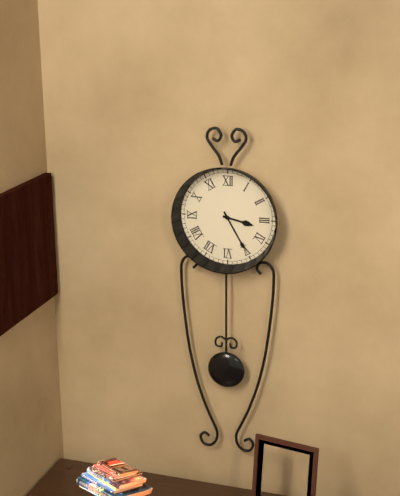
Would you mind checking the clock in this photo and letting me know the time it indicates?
3:25
